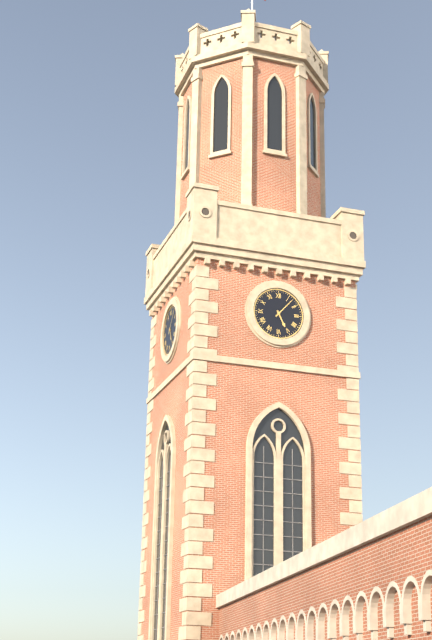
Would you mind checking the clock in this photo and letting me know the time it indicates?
5:07
